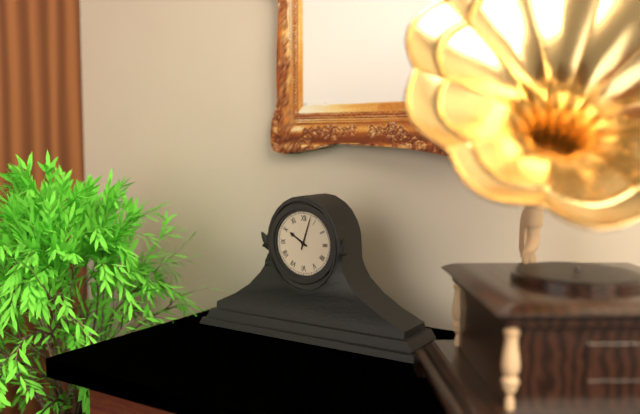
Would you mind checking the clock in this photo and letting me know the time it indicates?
10:03
